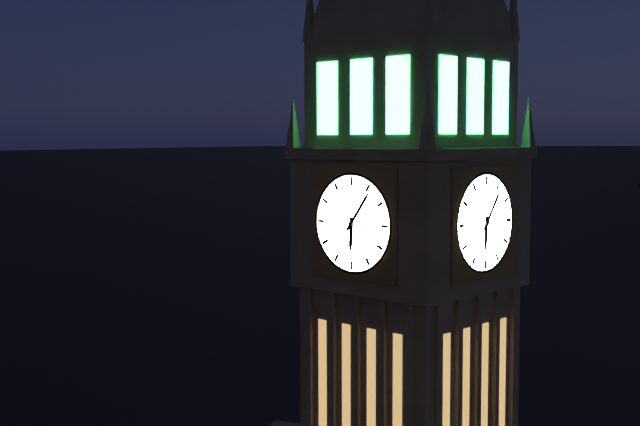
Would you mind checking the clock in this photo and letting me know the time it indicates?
6:06
